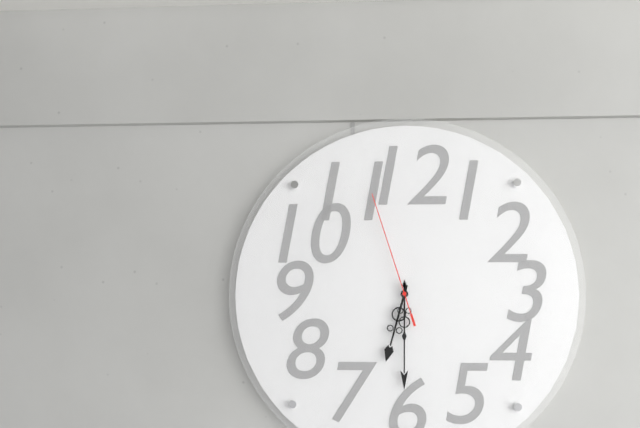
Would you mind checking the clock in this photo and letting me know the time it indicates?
6:30:57
